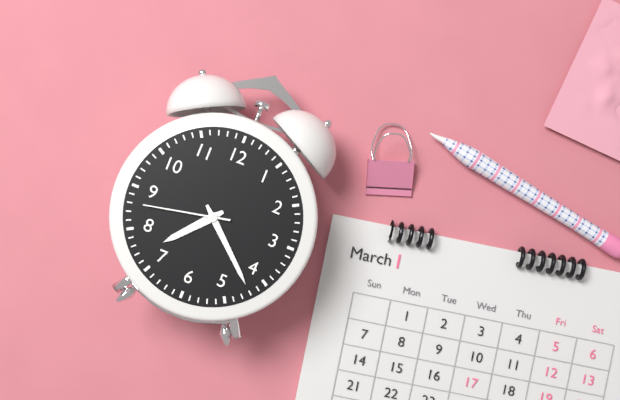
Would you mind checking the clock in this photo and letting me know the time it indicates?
7:22:43
